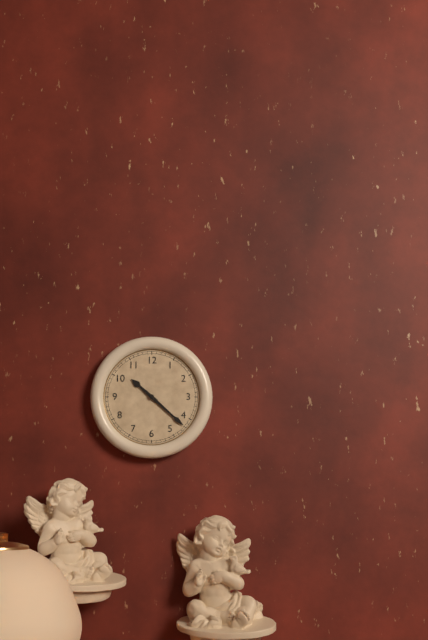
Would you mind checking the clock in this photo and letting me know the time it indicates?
10:22
